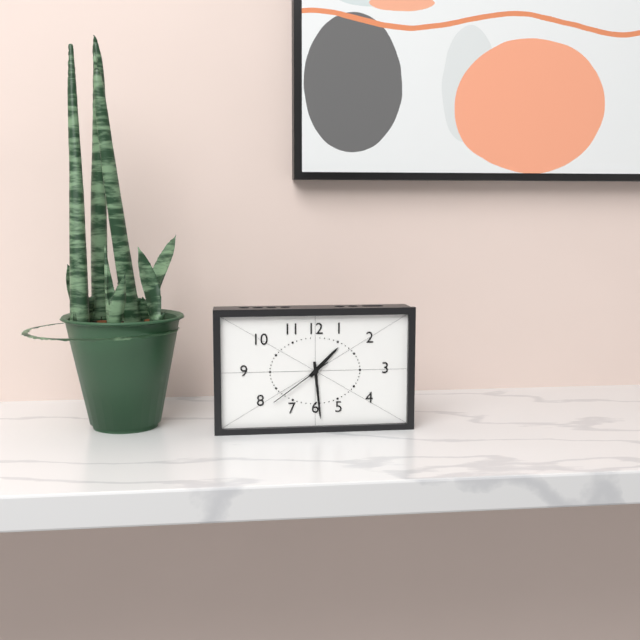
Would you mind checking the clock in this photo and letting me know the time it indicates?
1:29:39
